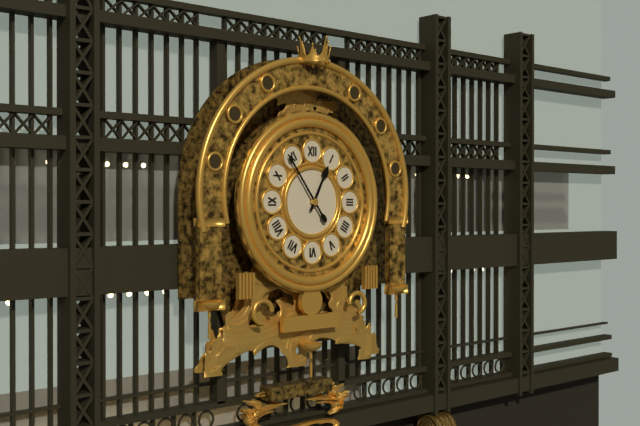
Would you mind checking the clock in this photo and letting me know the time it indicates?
12:54
